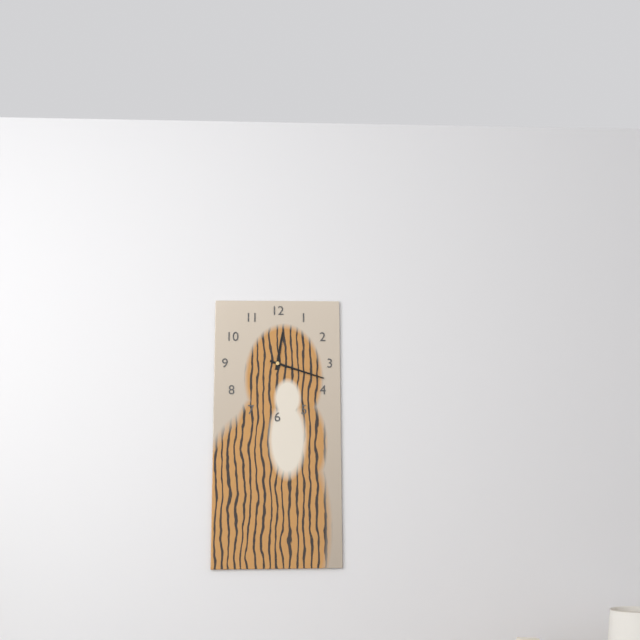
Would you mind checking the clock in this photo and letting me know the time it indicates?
12:18
